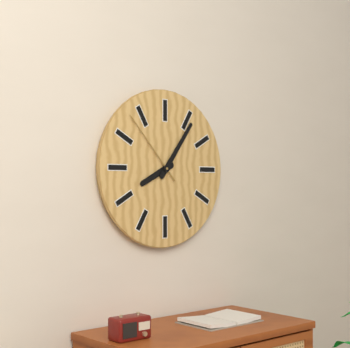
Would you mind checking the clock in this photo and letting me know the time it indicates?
8:06:53
